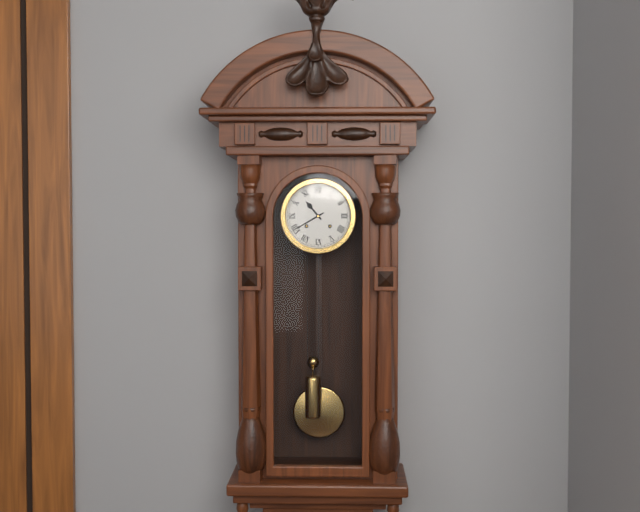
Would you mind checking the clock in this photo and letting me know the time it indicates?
10:40
